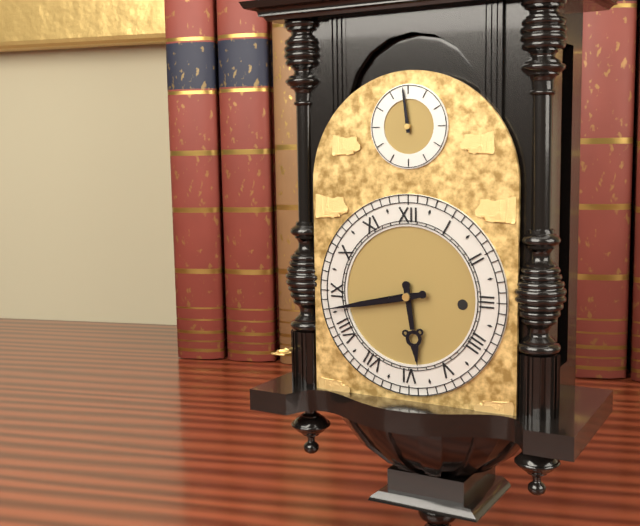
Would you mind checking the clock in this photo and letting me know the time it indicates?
5:43
